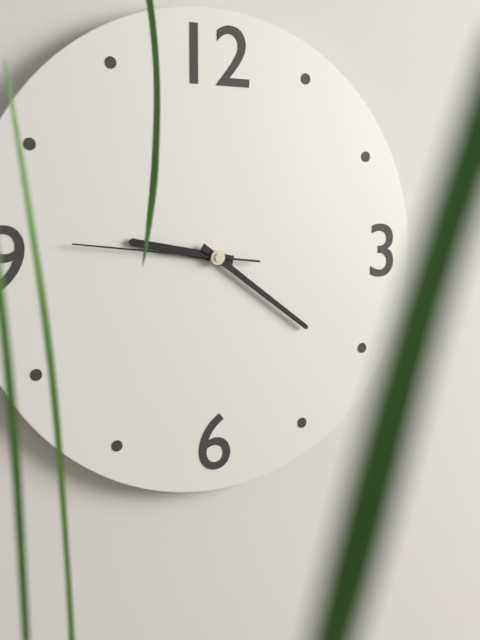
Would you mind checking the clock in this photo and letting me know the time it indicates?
9:21:46
